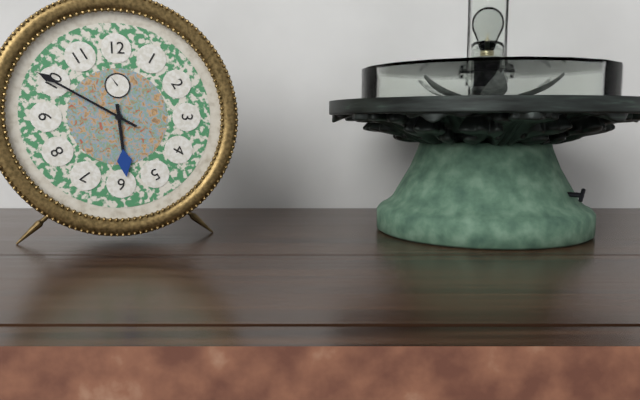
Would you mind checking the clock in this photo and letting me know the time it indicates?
5:50
